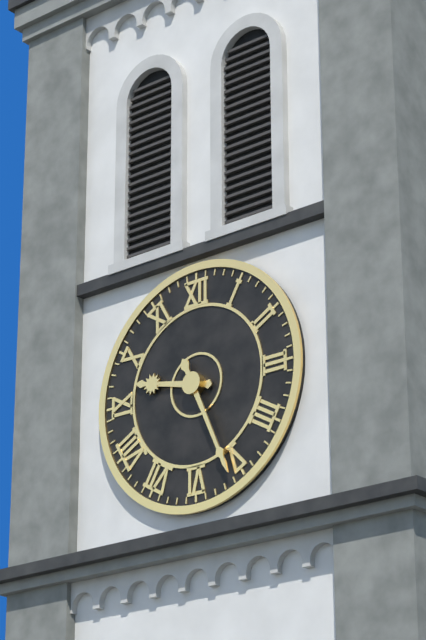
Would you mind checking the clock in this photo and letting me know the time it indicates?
9:26
